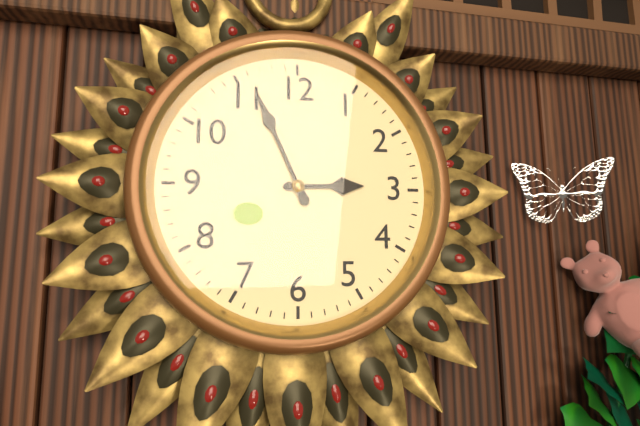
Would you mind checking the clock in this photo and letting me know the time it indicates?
2:56
